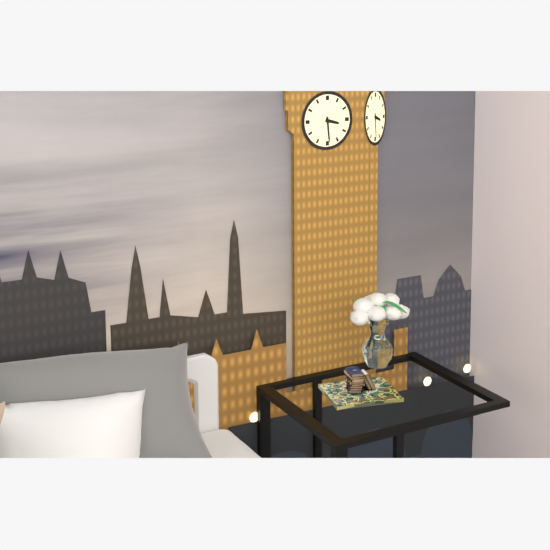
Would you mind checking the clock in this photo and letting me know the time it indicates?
3:29
